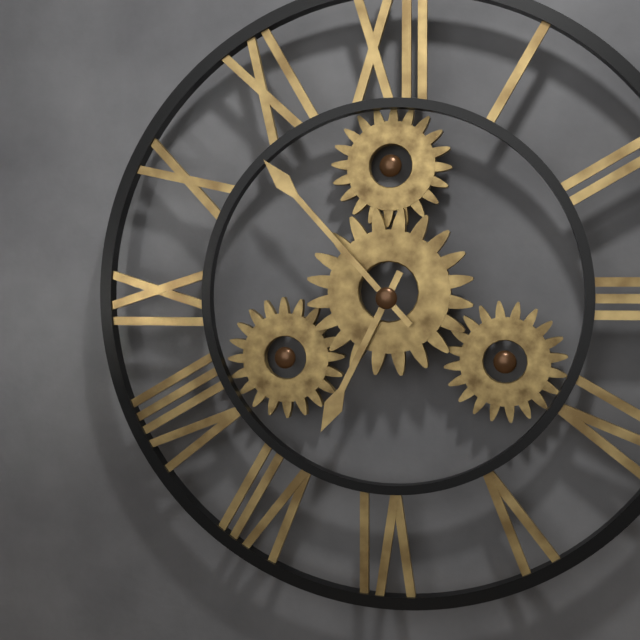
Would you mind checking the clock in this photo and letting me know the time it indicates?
6:53
